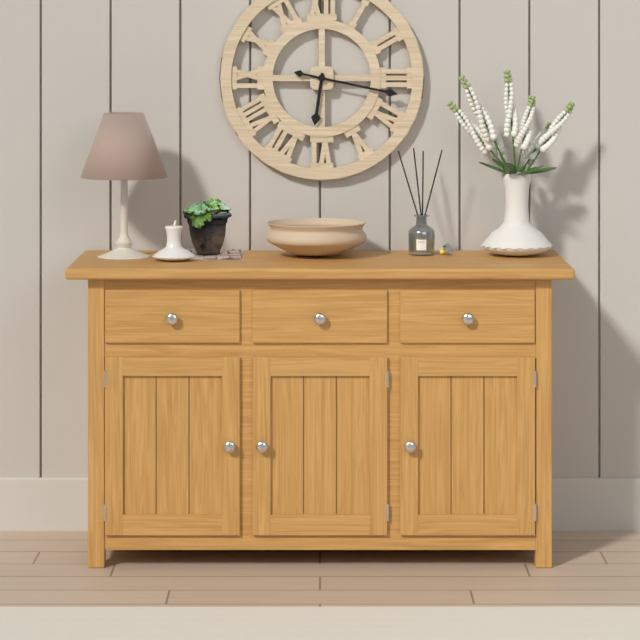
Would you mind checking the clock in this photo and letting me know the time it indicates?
6:17
